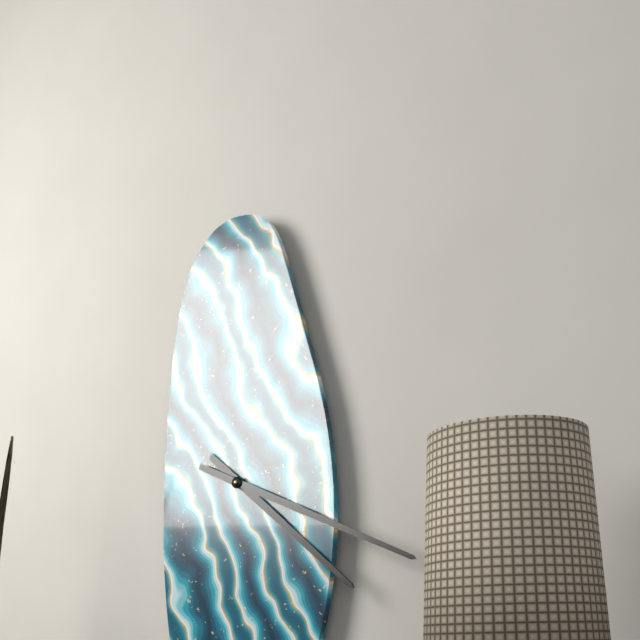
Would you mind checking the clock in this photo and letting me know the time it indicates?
4:19
